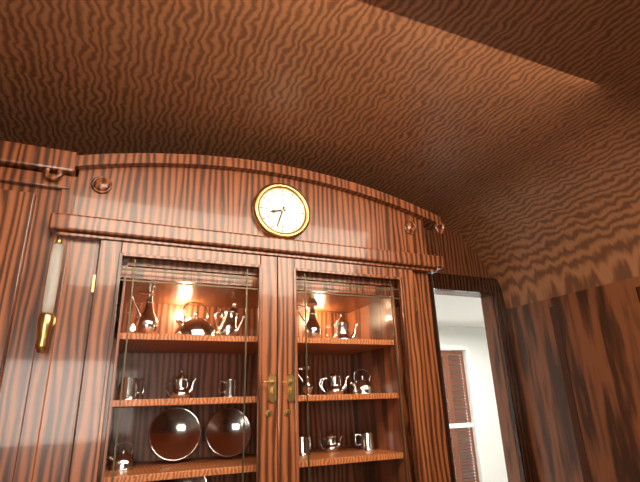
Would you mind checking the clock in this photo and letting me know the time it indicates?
8:33
